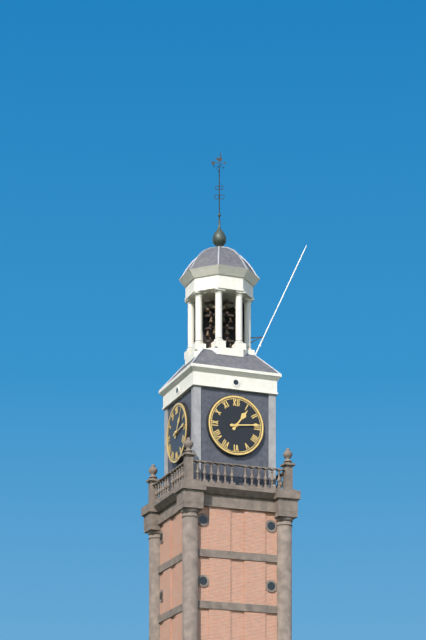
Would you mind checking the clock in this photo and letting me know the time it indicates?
1:14
